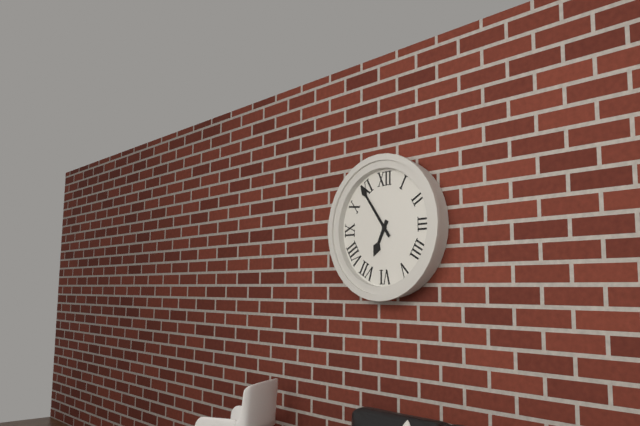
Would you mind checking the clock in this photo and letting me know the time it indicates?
6:54
